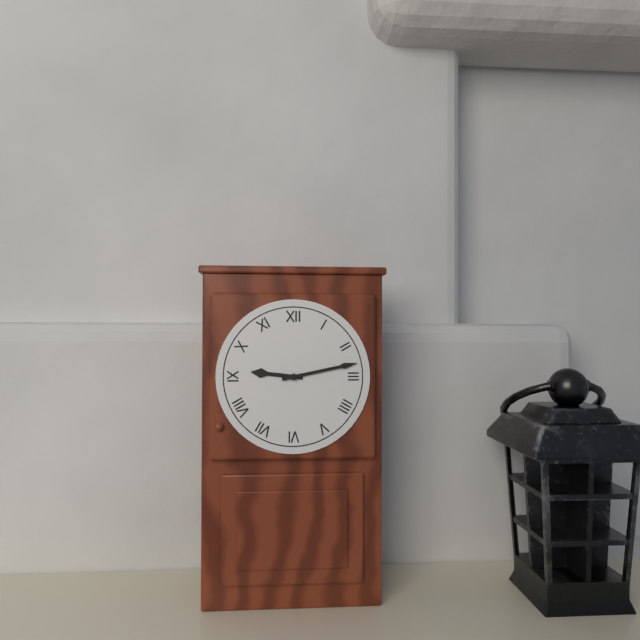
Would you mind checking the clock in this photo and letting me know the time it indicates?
9:13
